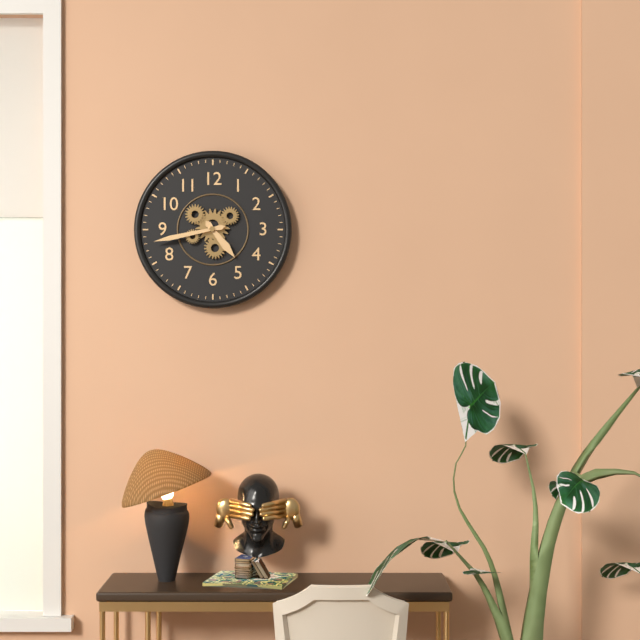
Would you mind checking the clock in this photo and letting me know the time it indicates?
4:43
